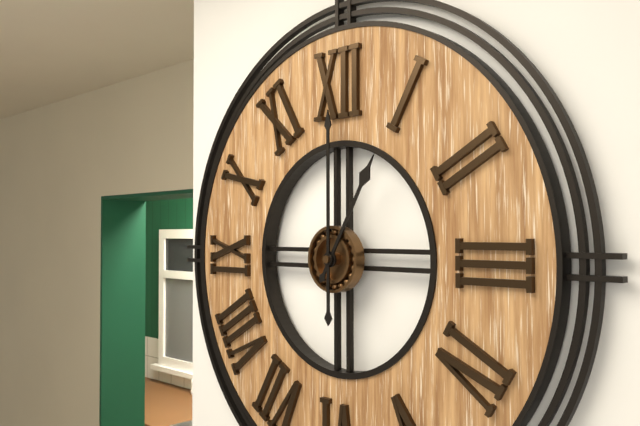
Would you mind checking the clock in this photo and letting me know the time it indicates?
1:00
